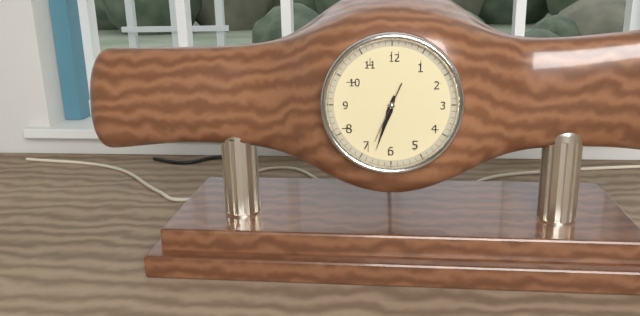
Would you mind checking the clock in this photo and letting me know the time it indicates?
6:33
